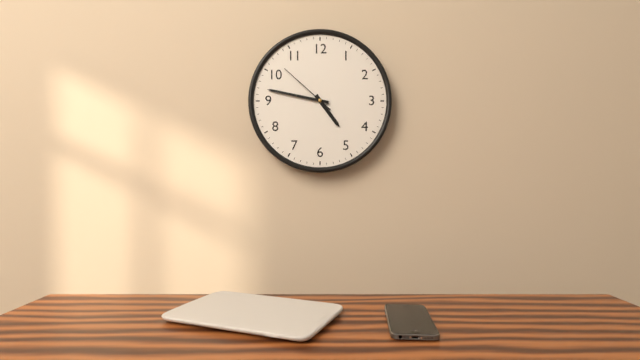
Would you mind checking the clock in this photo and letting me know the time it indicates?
4:47:52
